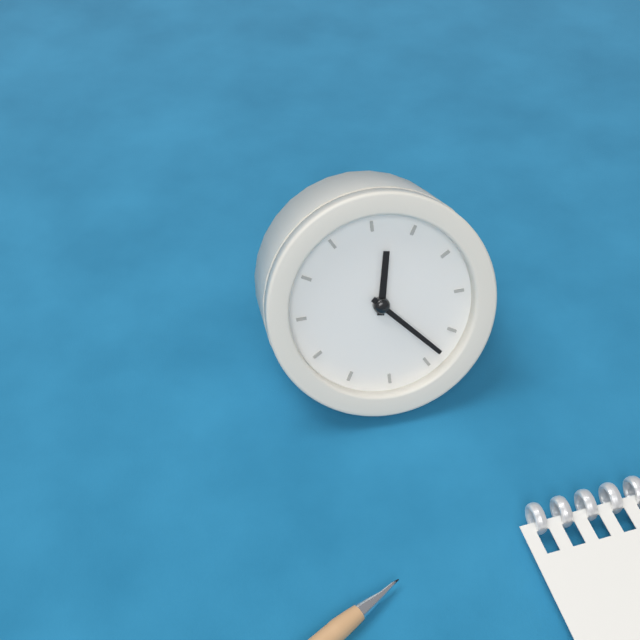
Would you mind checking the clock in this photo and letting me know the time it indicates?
12:23
